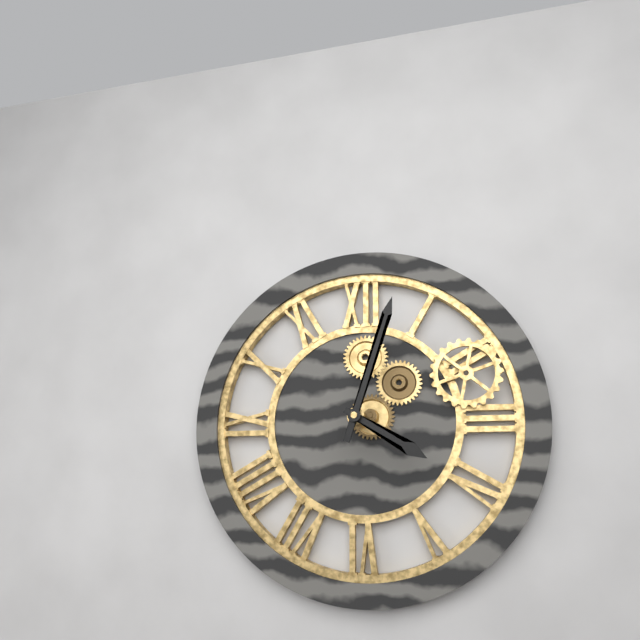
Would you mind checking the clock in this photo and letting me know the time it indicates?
4:03
